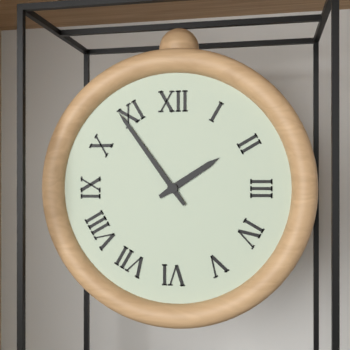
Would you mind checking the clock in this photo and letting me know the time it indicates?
1:54
